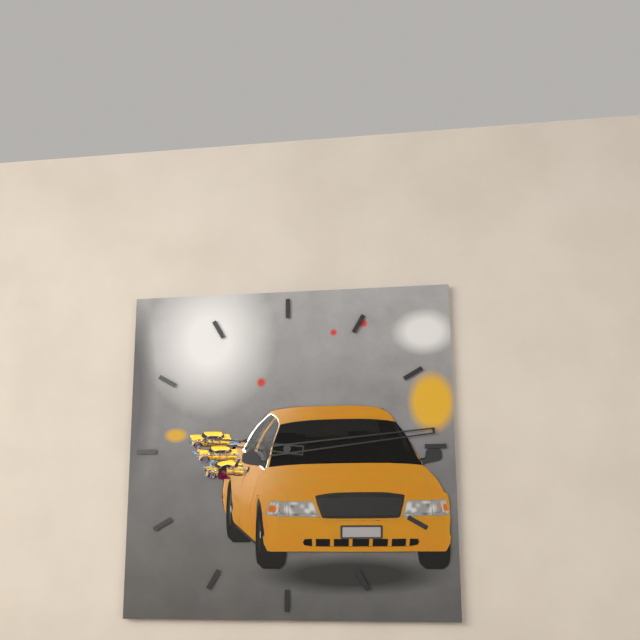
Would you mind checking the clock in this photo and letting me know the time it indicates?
9:14
